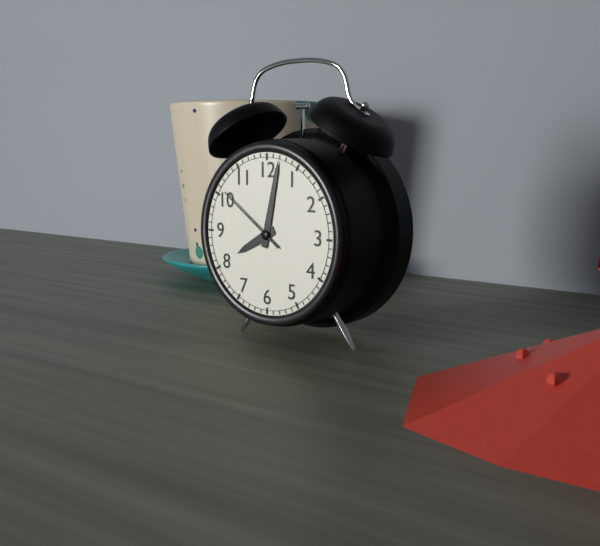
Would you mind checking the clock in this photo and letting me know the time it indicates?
8:02:51
